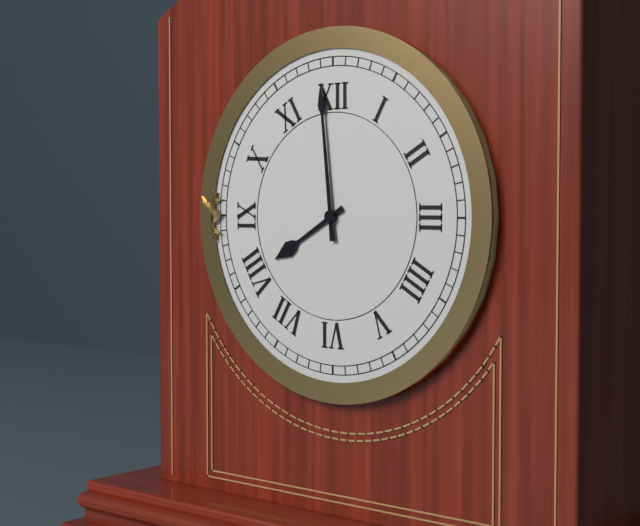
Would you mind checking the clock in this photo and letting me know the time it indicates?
7:59
